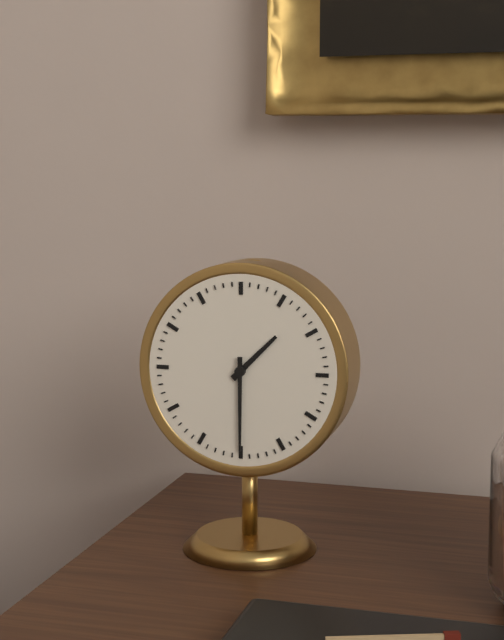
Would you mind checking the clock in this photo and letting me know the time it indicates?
1:30
